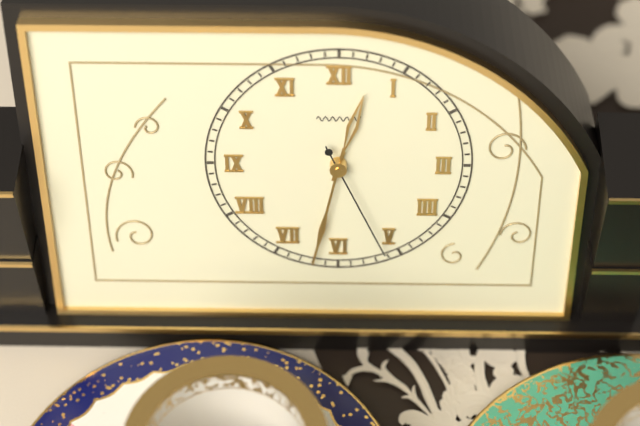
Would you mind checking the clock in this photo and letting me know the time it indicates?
12:32:26
